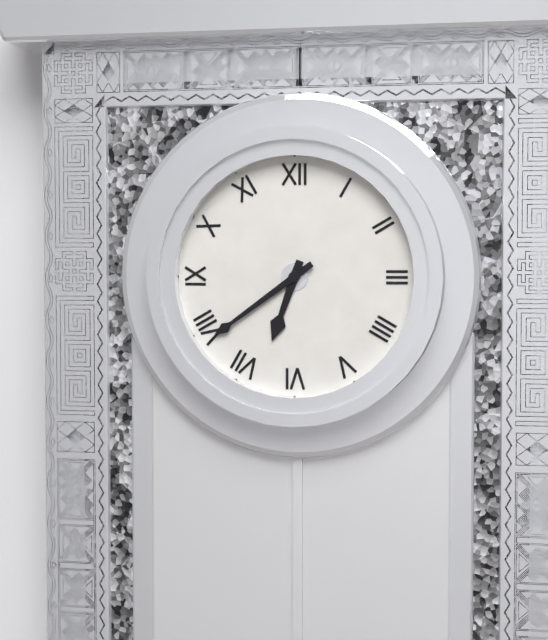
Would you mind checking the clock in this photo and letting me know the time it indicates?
6:39
